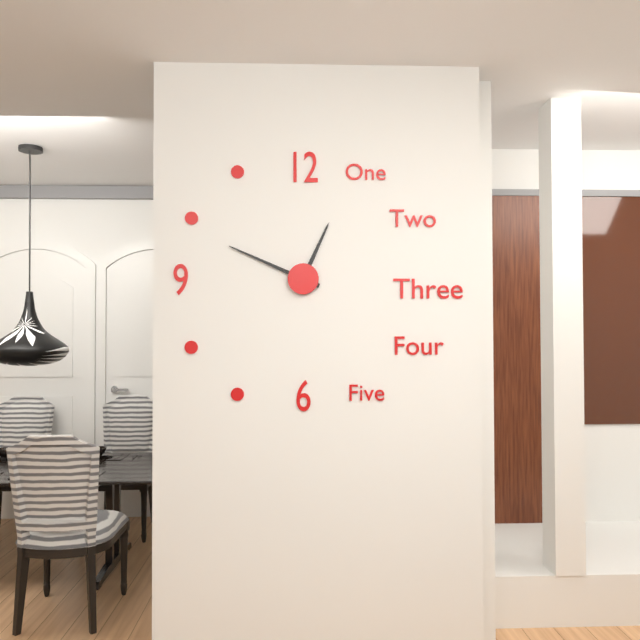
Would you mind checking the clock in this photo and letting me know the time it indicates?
12:49
